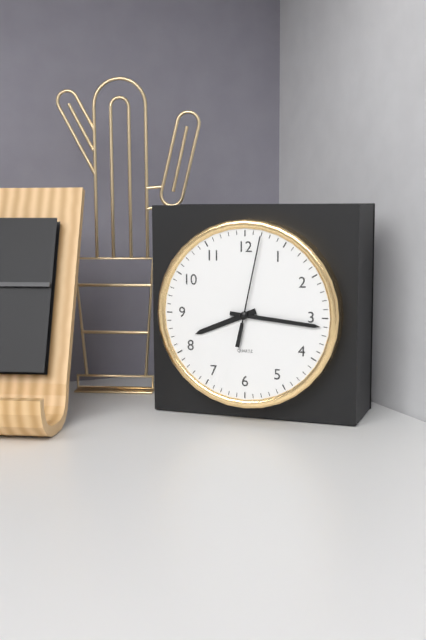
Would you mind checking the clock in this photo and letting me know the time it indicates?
8:16:02
